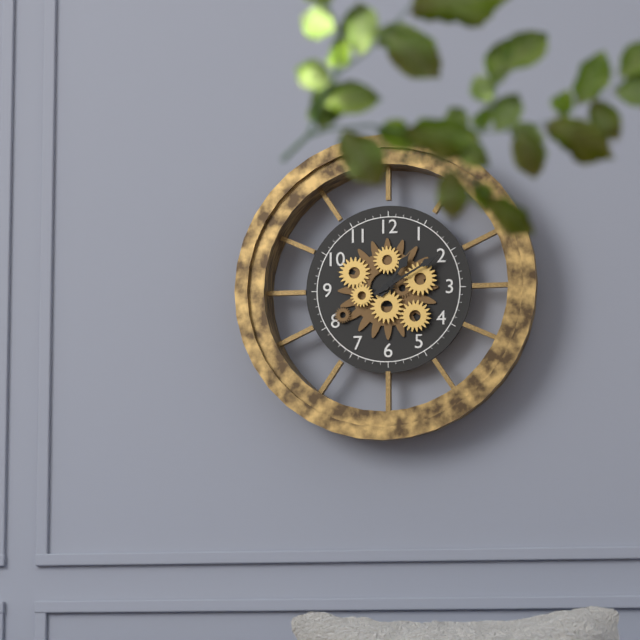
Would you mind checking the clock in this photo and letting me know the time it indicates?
1:10
